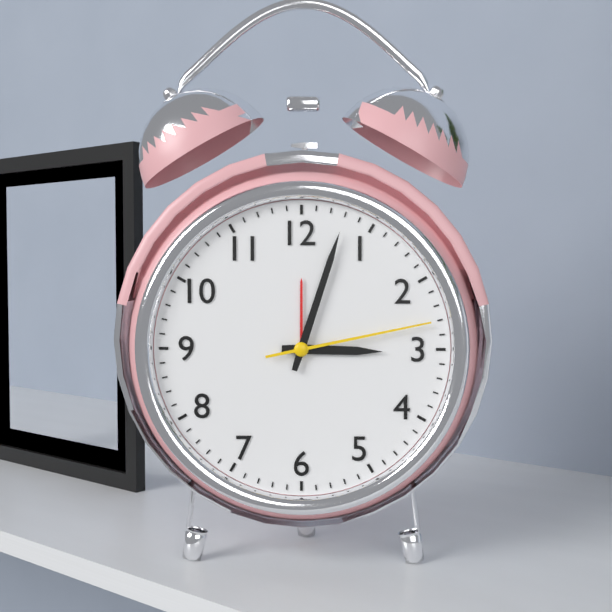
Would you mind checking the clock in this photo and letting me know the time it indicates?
3:03:13
